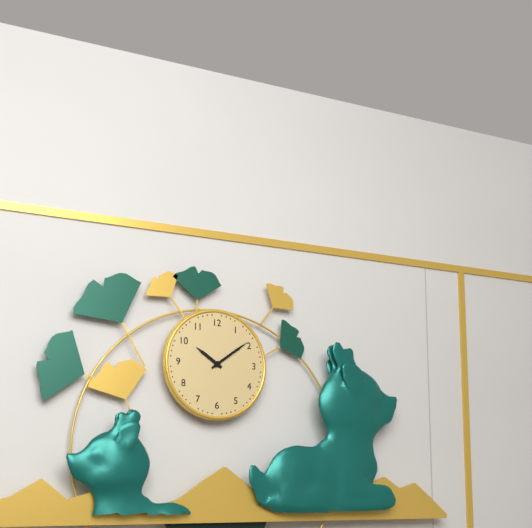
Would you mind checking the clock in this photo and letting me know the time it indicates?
10:09
